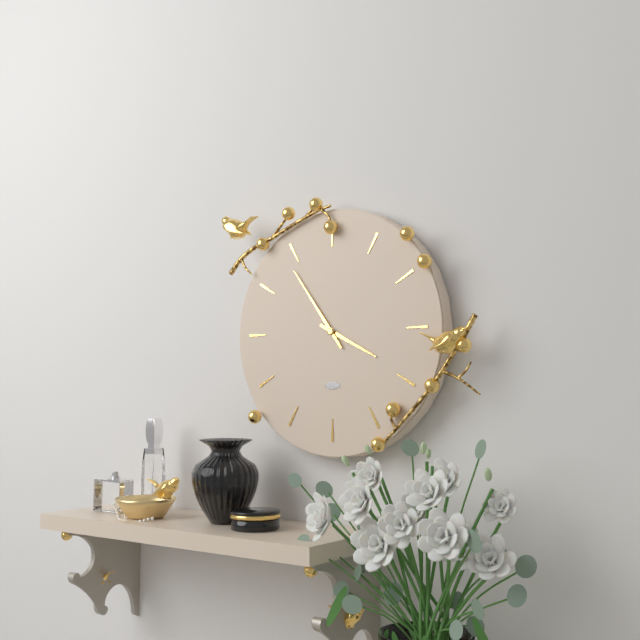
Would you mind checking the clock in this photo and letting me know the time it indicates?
3:54
